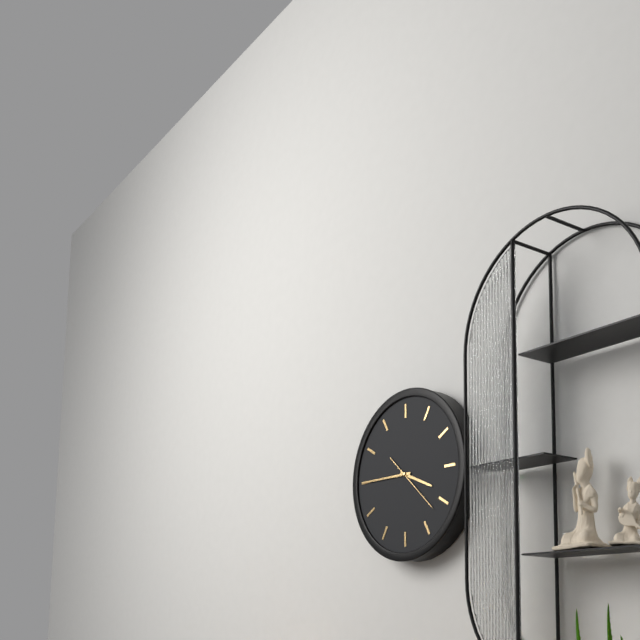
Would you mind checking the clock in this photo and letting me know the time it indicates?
3:45:22
